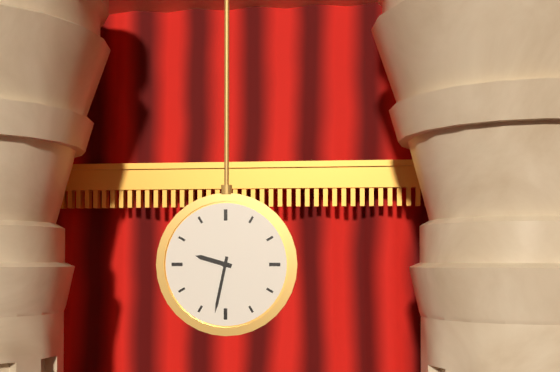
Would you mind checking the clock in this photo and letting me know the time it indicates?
9:32
